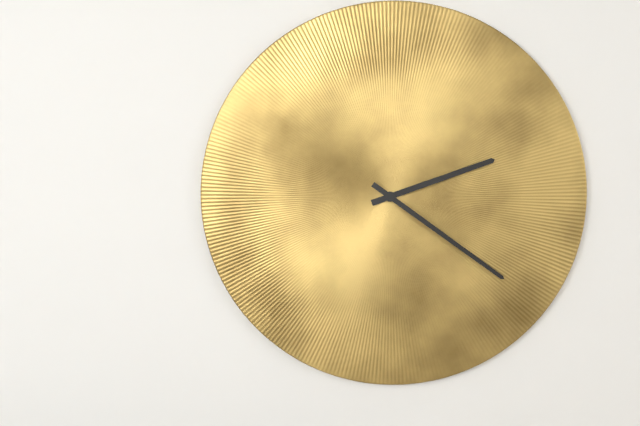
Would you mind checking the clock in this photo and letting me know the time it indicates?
2:21
